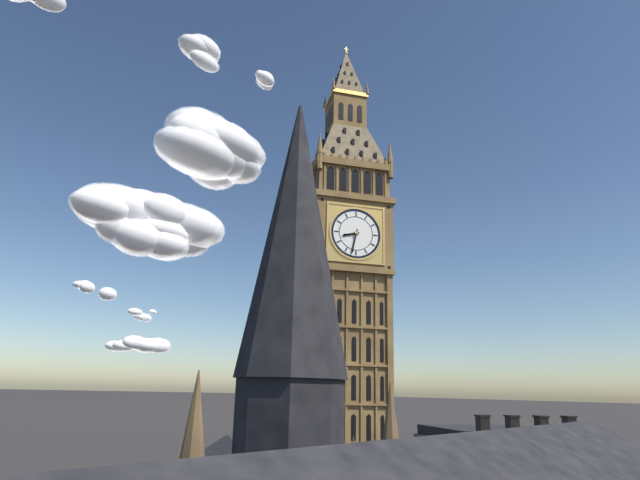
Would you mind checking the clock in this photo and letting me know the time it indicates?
8:32
